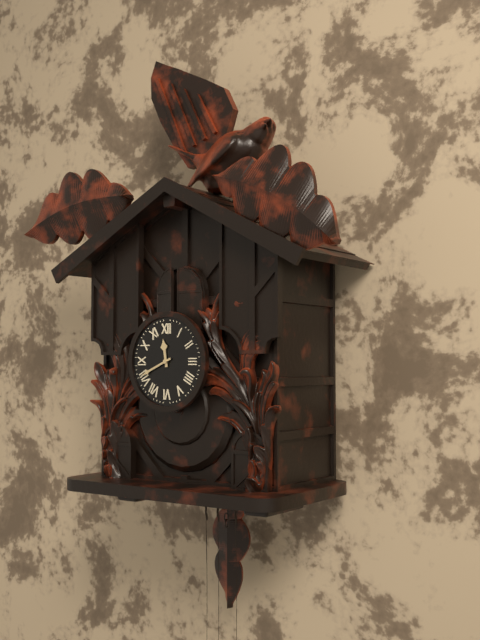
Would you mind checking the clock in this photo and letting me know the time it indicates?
11:41
